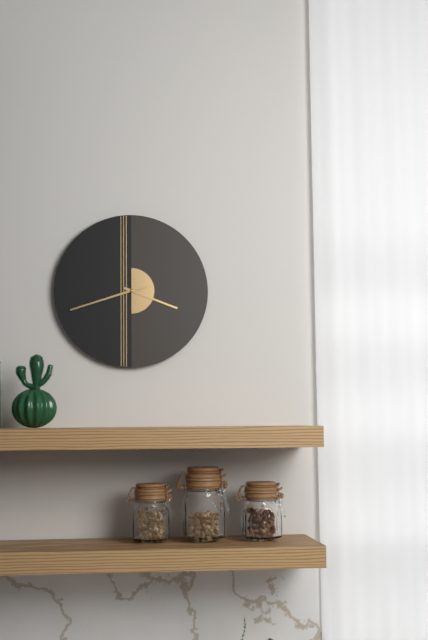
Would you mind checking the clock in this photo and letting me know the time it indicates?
3:42
